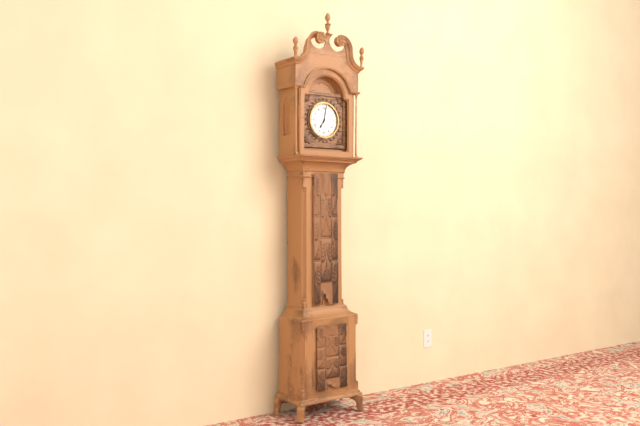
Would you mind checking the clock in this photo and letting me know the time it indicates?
7:02
